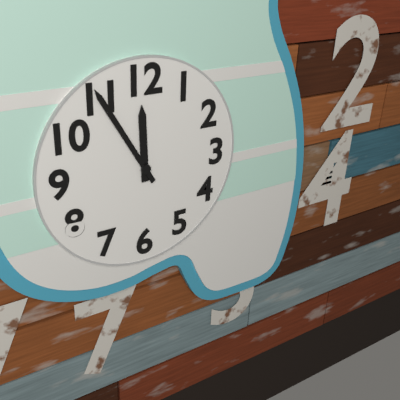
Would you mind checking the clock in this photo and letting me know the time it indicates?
11:55
